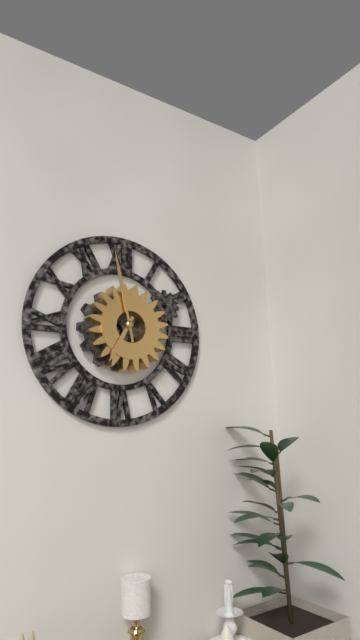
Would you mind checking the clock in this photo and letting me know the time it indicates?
6:58
